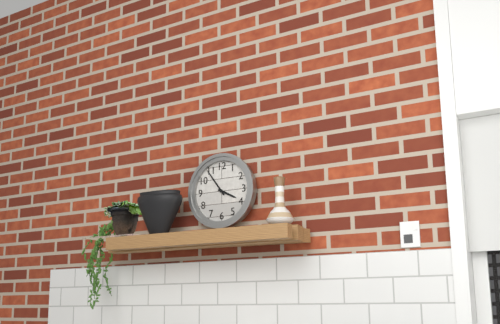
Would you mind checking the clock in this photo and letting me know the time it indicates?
3:54
